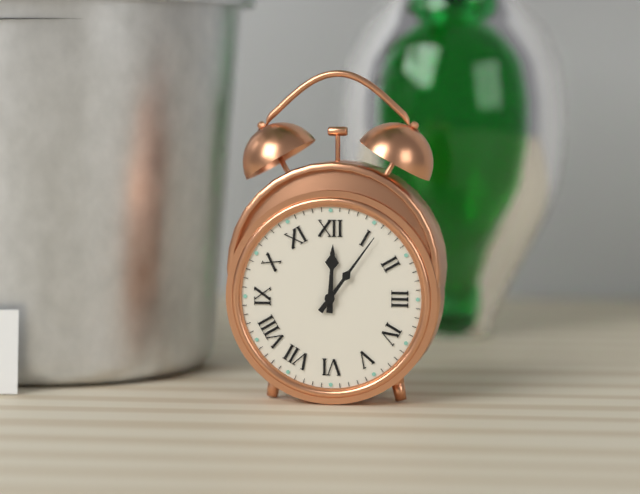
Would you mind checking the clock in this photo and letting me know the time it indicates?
12:06
